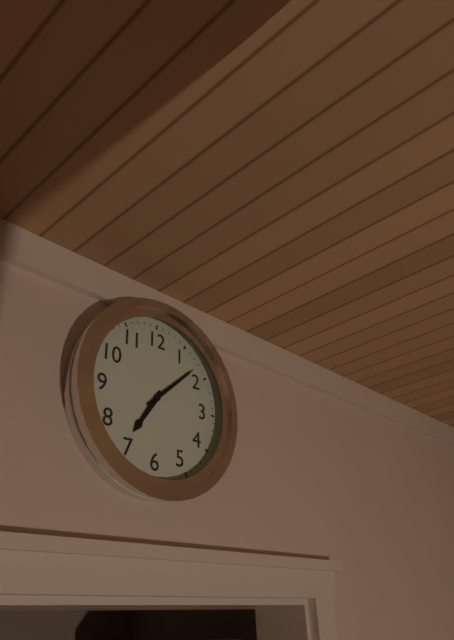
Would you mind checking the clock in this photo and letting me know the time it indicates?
7:08
